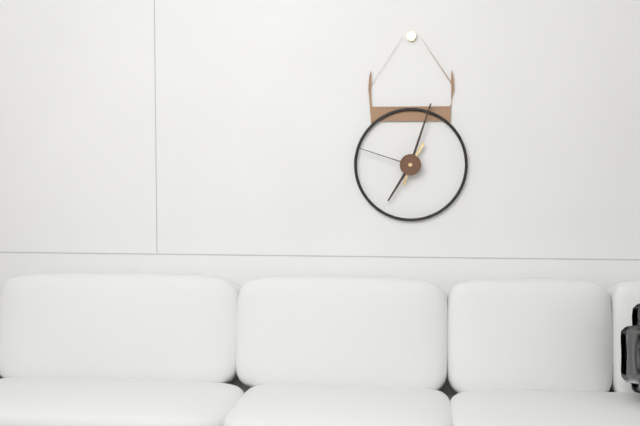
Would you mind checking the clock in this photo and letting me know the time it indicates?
7:03:48
